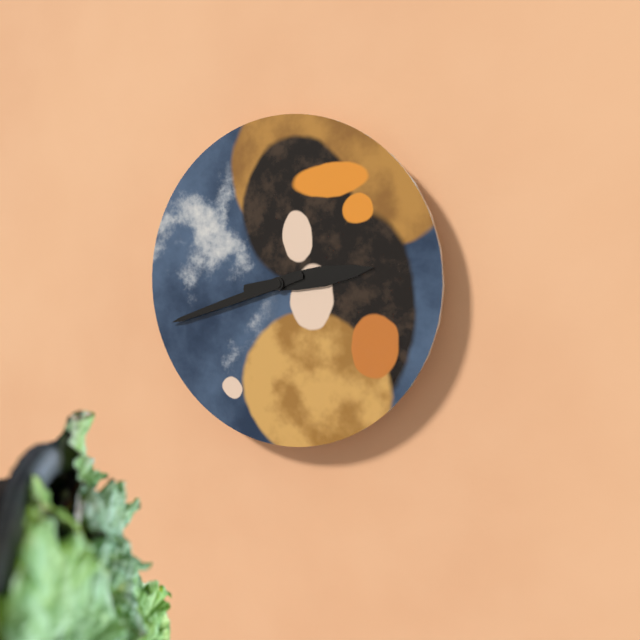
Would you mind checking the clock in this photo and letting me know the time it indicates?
2:42
